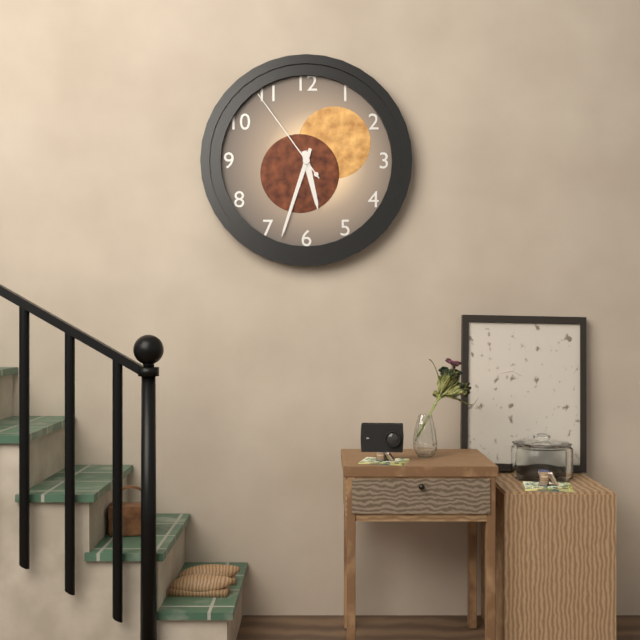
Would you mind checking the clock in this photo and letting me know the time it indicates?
5:33:54
